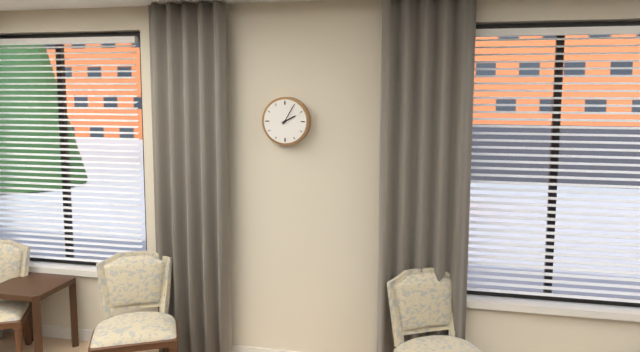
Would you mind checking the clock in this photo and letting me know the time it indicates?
2:05
